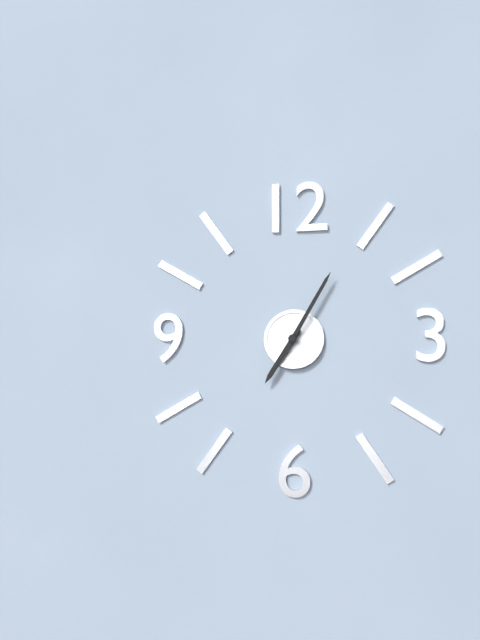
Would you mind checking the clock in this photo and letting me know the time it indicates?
7:05
